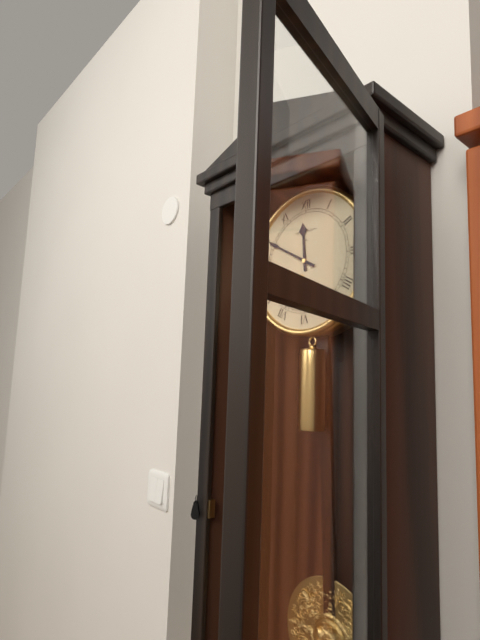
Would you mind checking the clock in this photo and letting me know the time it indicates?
11:50
